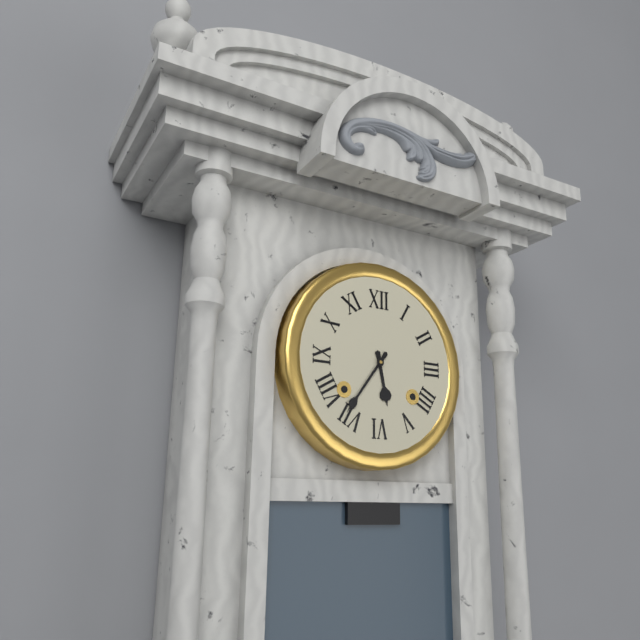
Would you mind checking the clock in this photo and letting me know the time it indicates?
5:36
